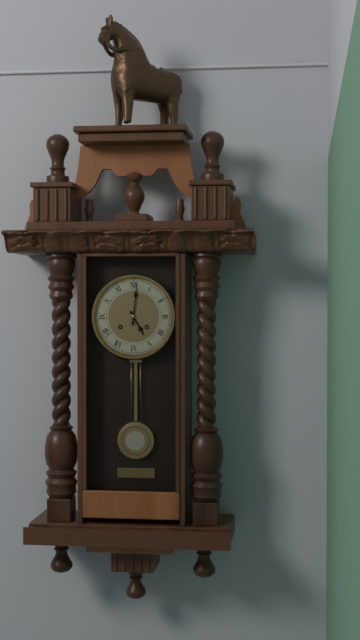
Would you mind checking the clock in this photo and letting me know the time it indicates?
5:01
